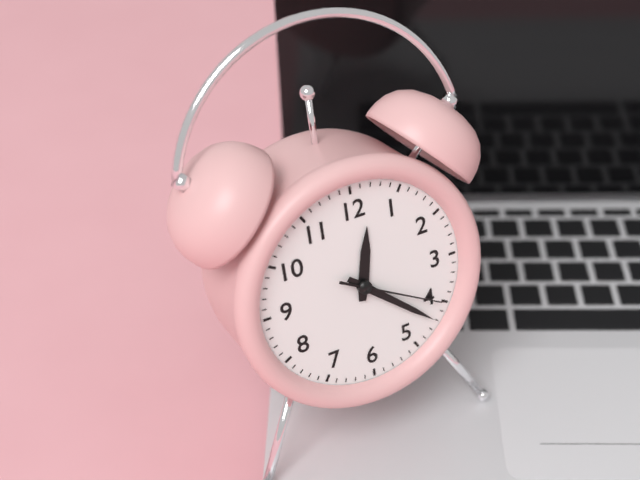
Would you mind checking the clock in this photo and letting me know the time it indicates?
12:22:20
